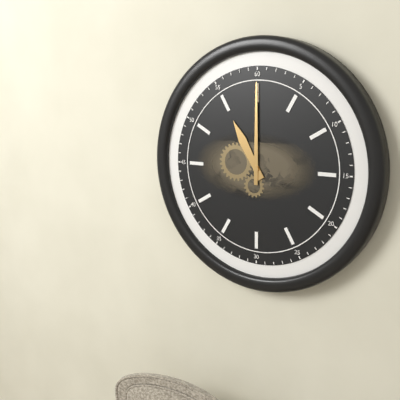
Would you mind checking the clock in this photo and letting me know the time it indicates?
11:00
